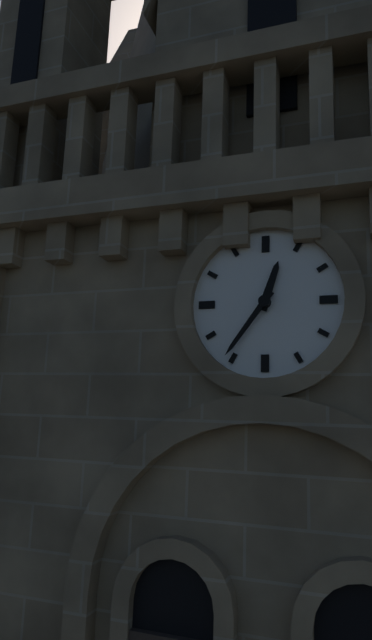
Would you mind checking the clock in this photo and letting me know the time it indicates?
12:36
